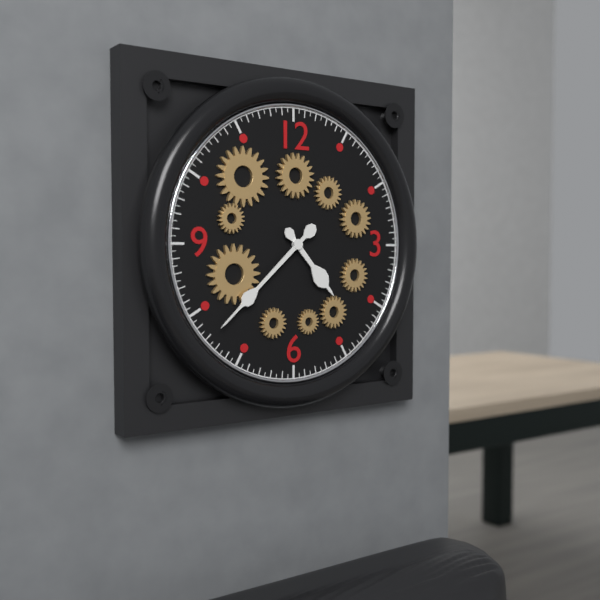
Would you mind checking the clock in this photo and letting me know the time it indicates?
4:38
